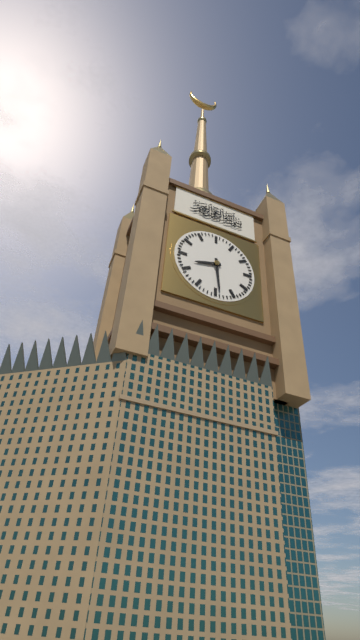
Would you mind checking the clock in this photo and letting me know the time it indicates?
8:29
